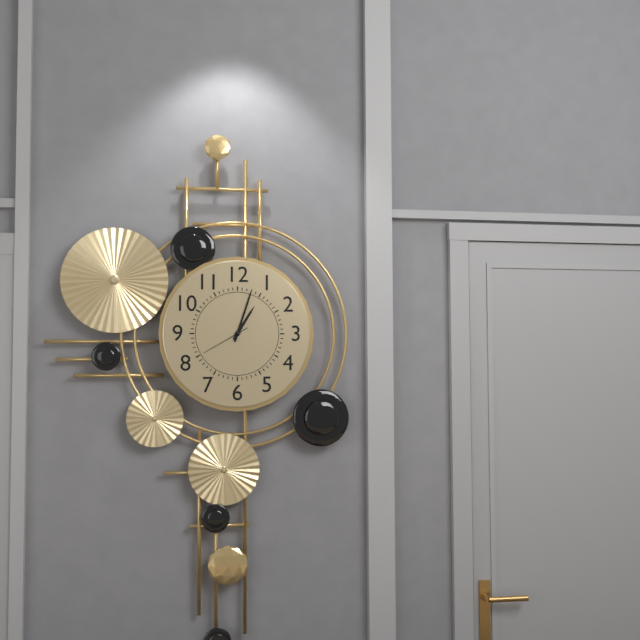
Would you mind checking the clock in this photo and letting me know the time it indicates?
1:03
